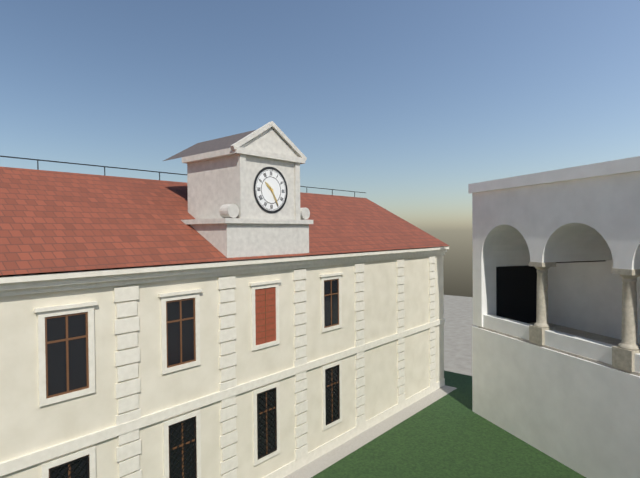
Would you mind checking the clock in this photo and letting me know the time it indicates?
10:25
